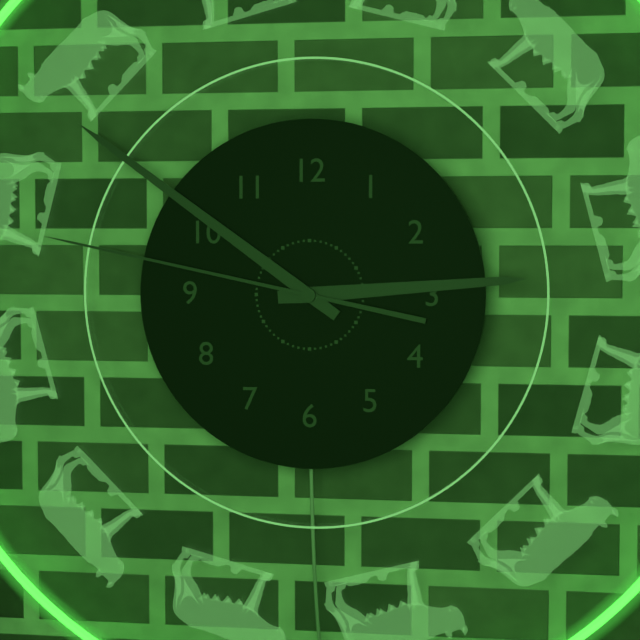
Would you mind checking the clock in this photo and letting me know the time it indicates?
2:51:47
